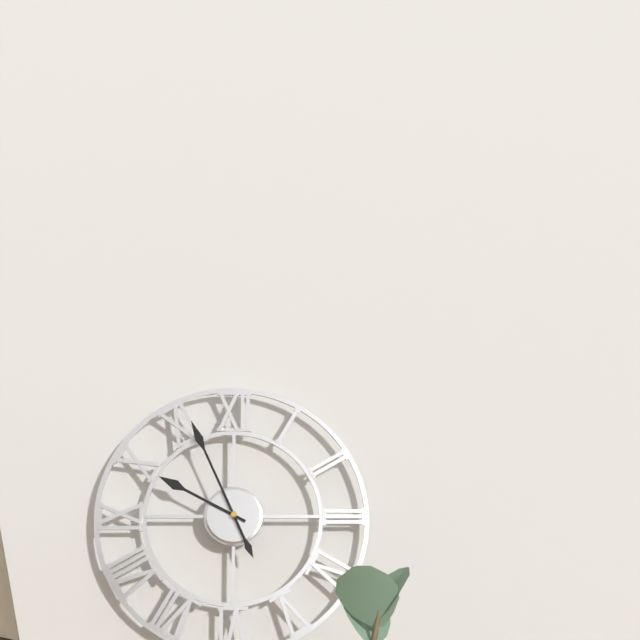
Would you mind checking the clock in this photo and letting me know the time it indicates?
9:56
